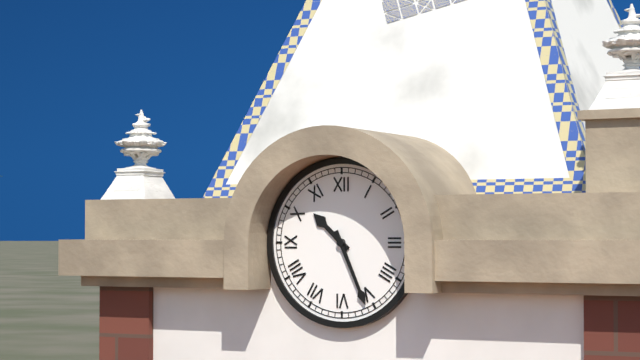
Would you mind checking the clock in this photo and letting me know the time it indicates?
10:26
